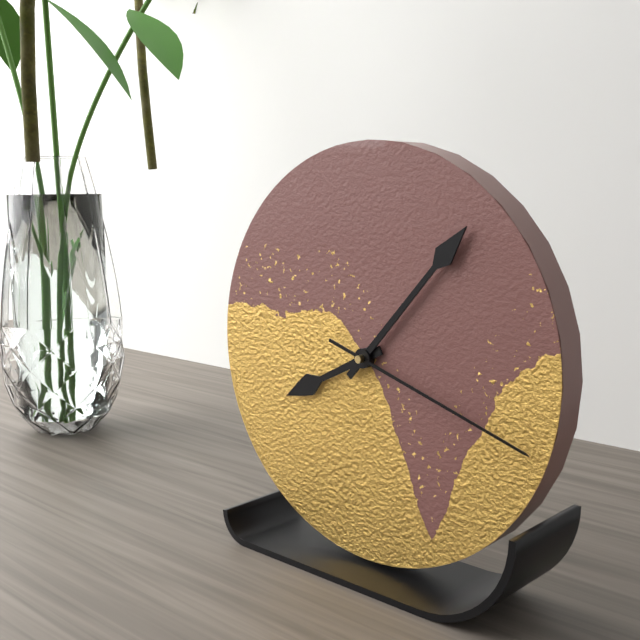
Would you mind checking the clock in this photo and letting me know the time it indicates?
8:07:18
